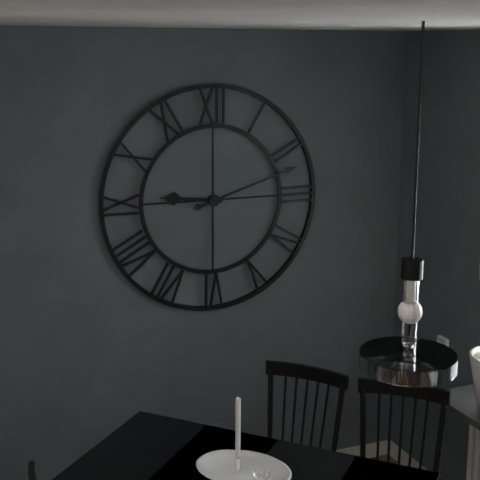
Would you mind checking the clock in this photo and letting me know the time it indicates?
9:12
